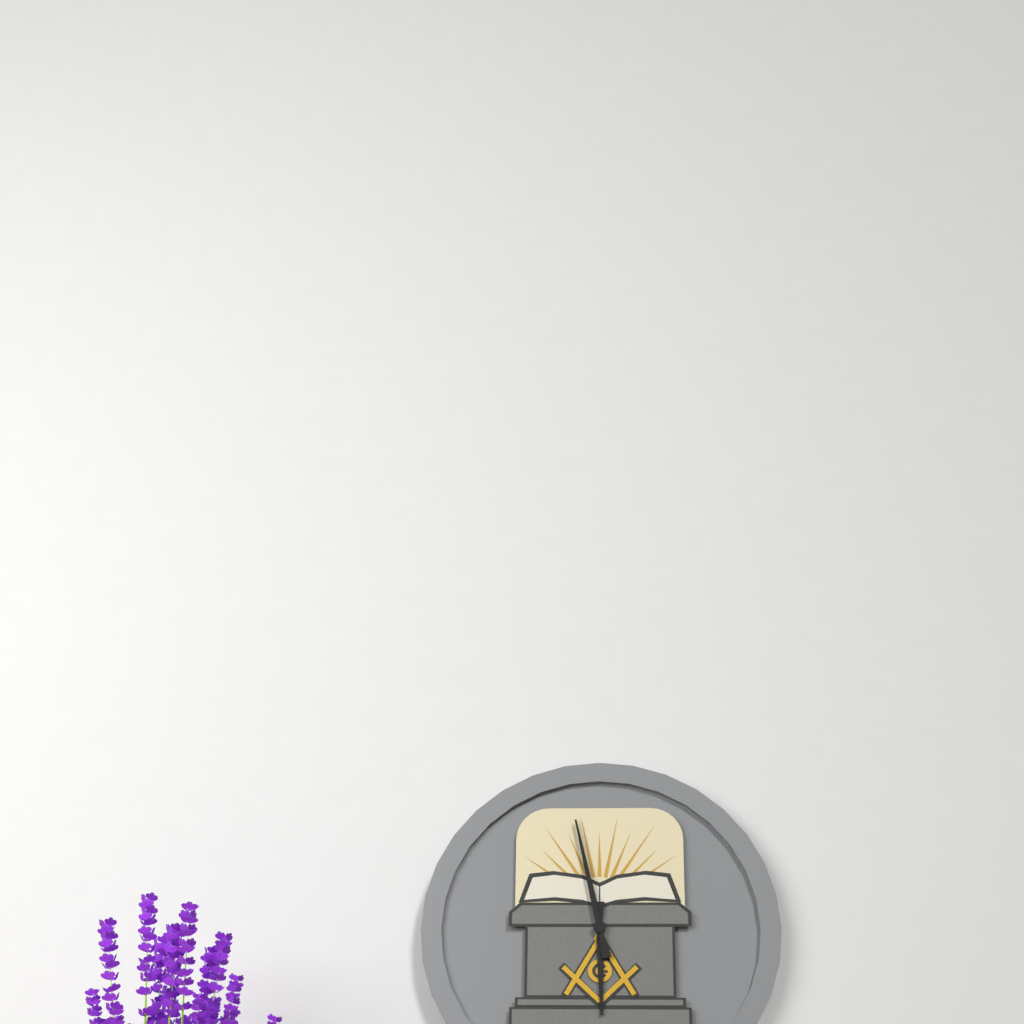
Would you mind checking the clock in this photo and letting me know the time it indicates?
5:58
